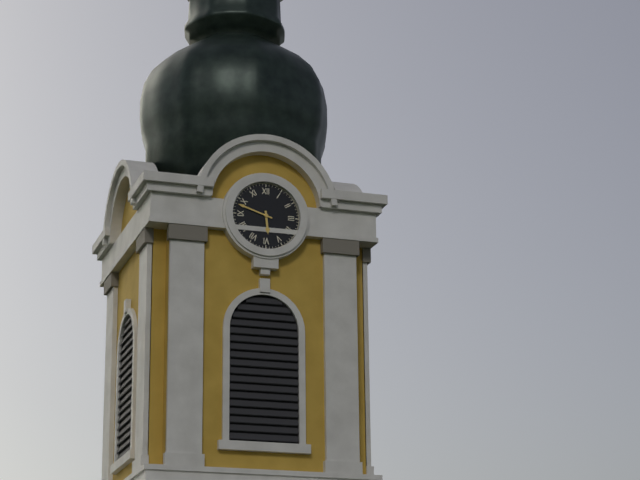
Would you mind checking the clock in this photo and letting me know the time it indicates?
5:48
